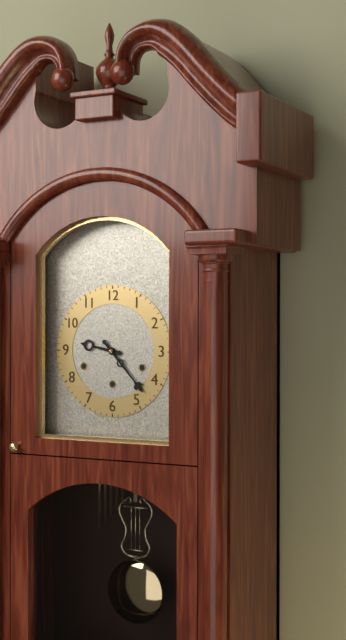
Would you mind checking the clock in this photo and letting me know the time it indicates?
9:23
